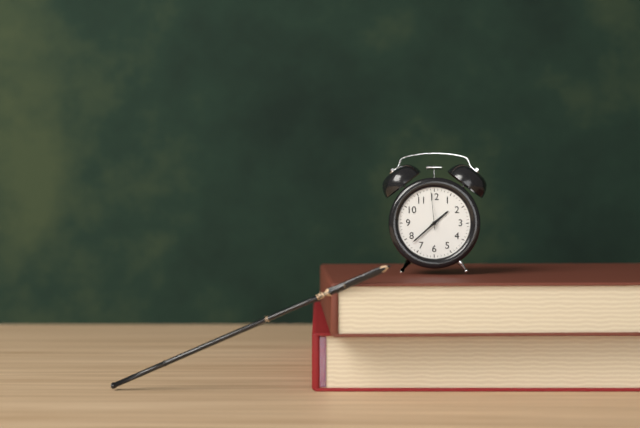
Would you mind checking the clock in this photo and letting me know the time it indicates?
1:38
